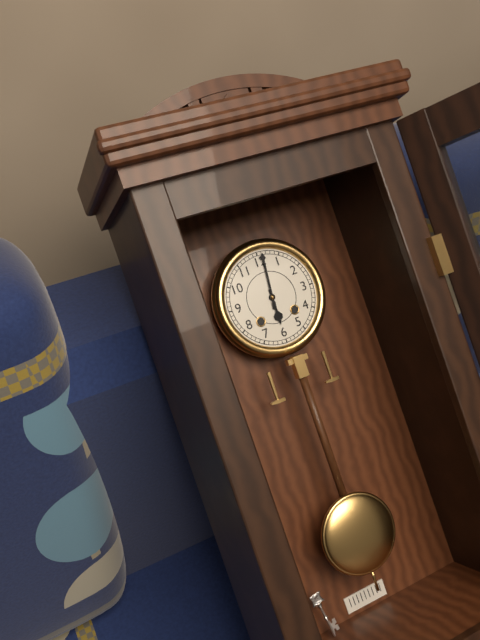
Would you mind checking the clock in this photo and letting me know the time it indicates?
6:01
